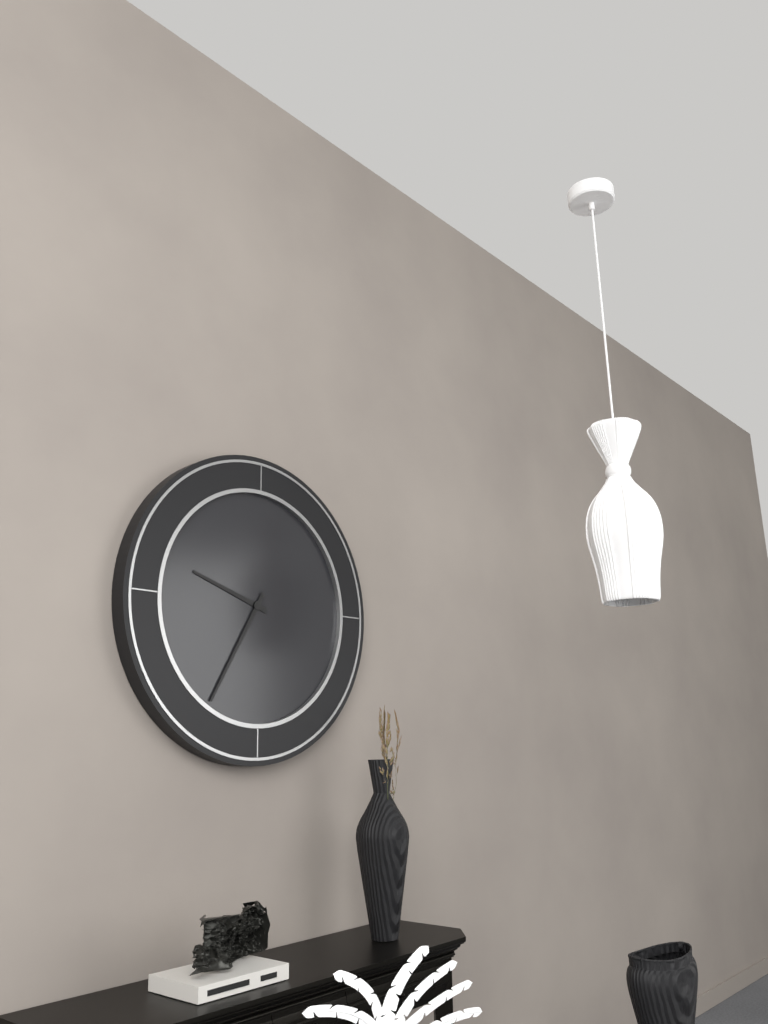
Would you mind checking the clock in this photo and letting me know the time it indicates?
9:35
